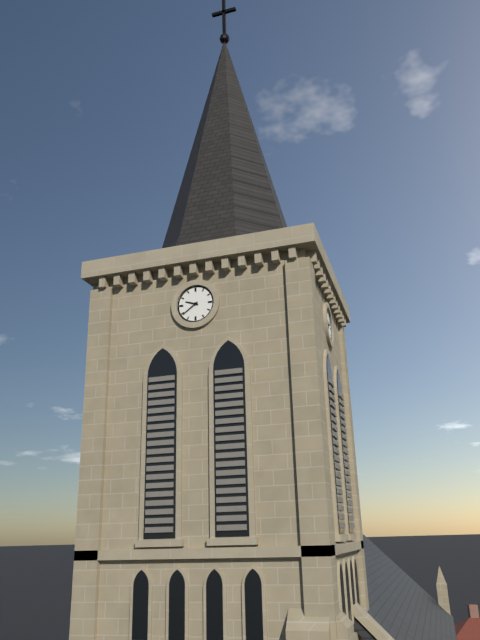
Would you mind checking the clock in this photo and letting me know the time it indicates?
9:39
